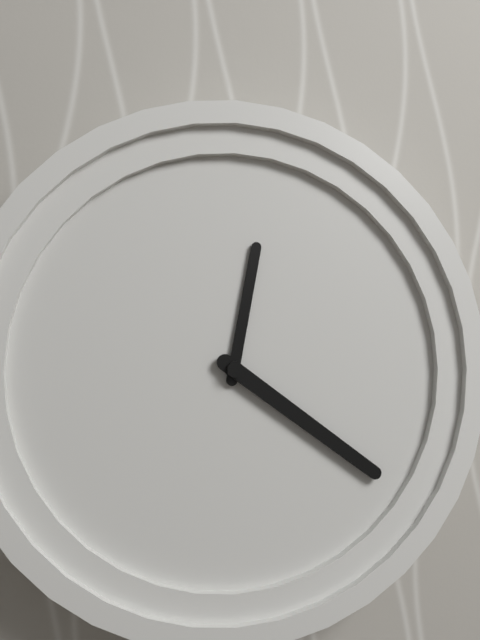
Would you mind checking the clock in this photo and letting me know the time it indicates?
12:21
